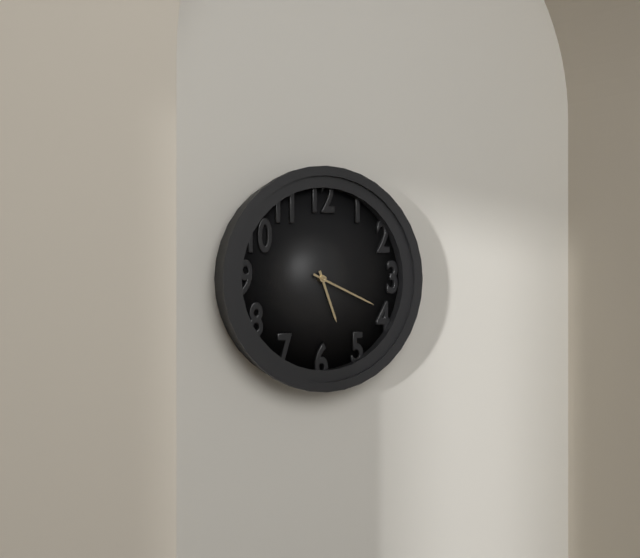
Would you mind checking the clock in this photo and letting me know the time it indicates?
5:19
